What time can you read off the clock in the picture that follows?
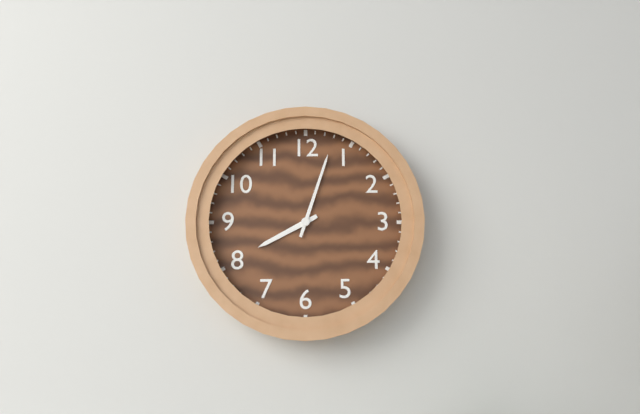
8:03
